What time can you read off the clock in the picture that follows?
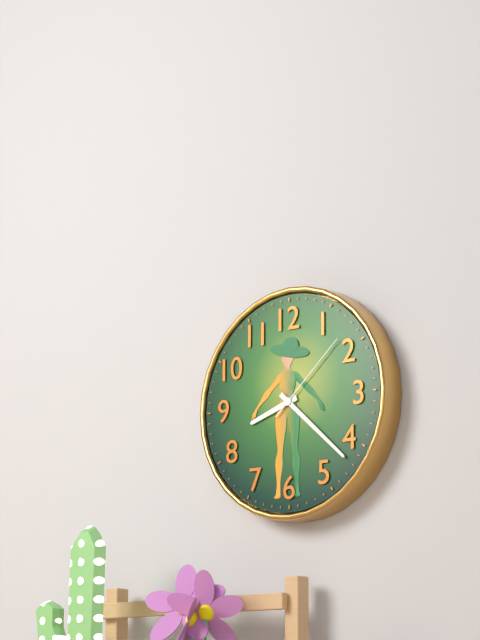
8:22:08
